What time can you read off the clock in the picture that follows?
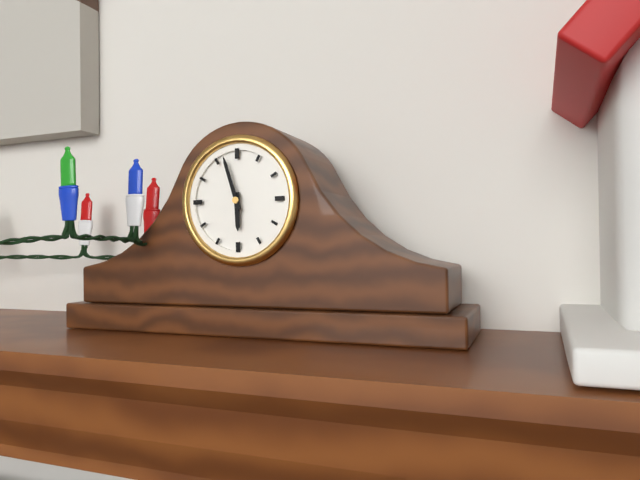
5:57
